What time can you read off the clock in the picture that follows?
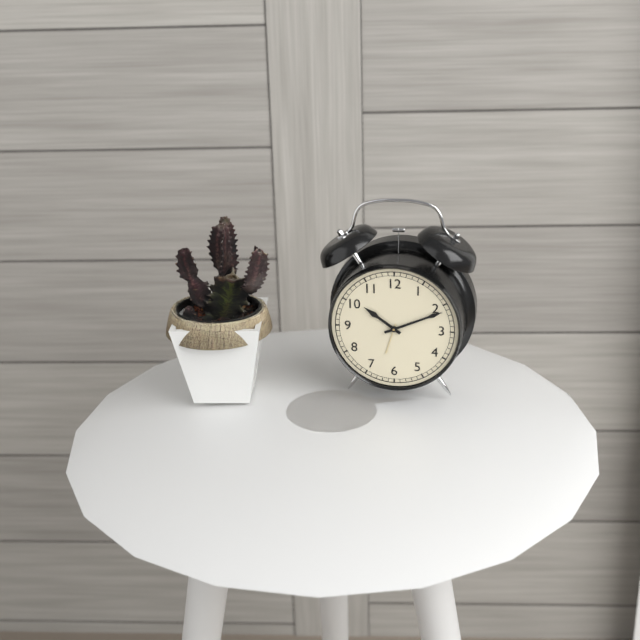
10:11
